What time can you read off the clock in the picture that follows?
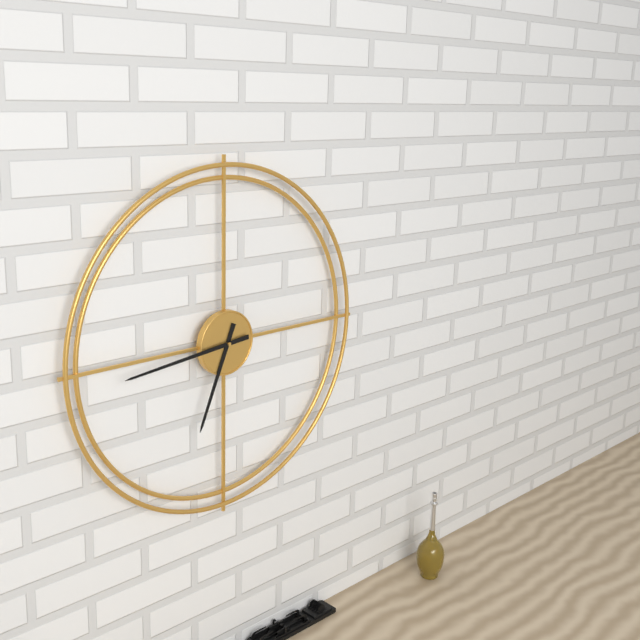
6:44
